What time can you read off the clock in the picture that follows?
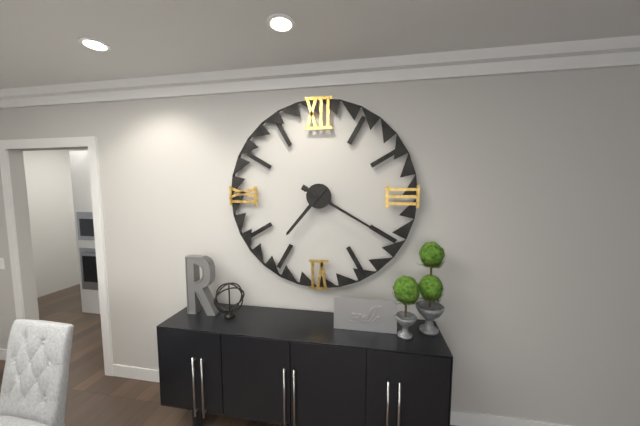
7:20
